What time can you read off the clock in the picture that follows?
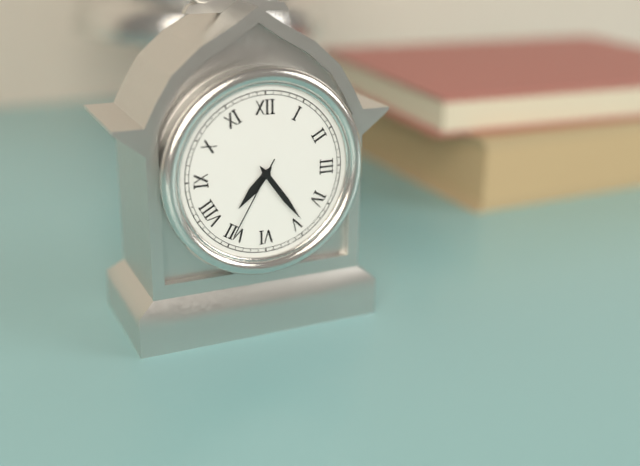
7:24:35
